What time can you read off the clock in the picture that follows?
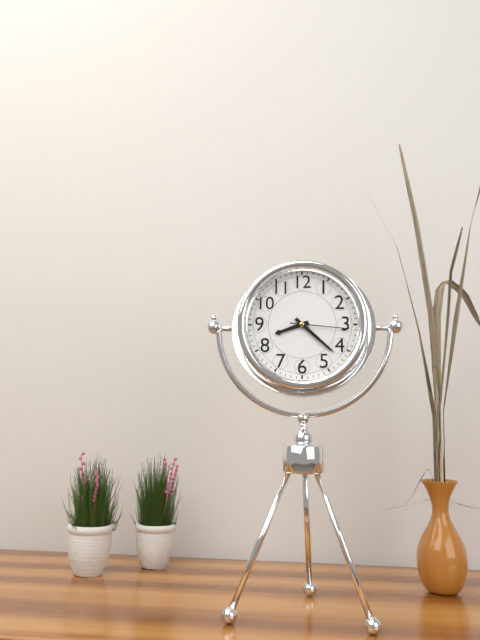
8:22:16
